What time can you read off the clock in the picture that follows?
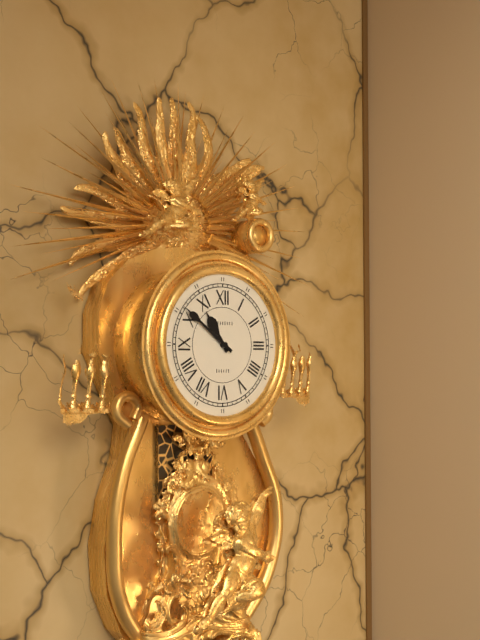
10:51
